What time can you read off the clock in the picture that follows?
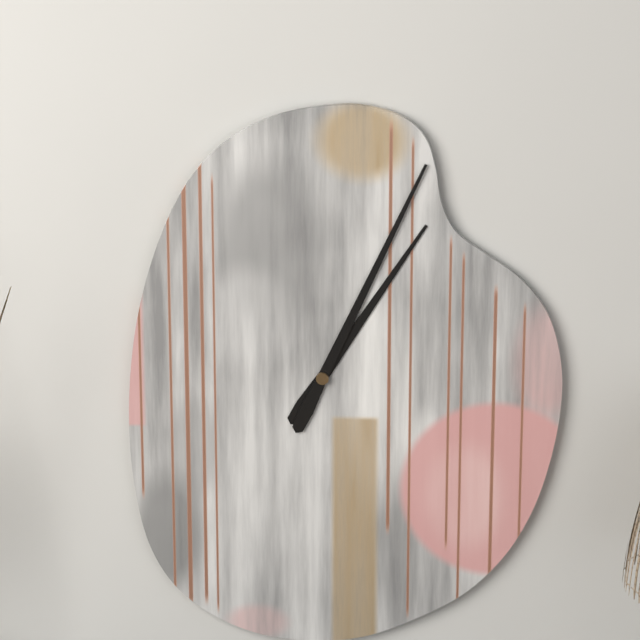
1:04
